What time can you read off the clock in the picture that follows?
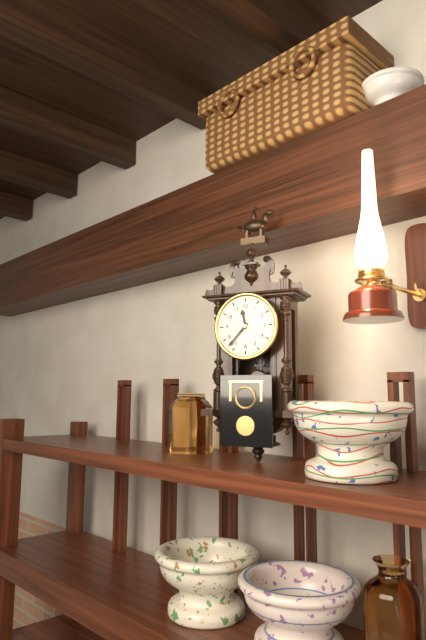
11:37
